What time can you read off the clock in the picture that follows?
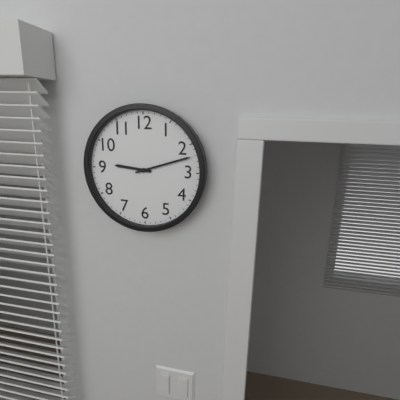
9:12
